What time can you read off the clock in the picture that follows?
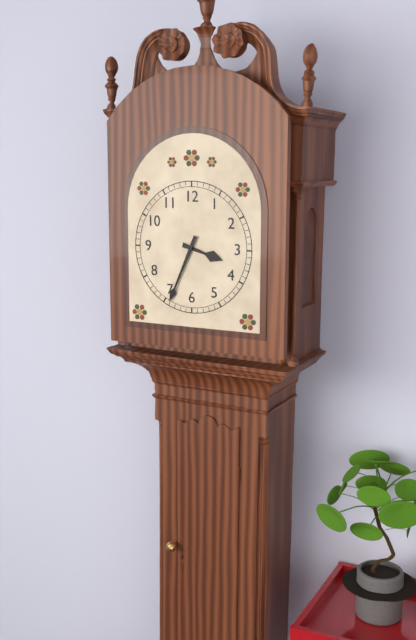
3:34
